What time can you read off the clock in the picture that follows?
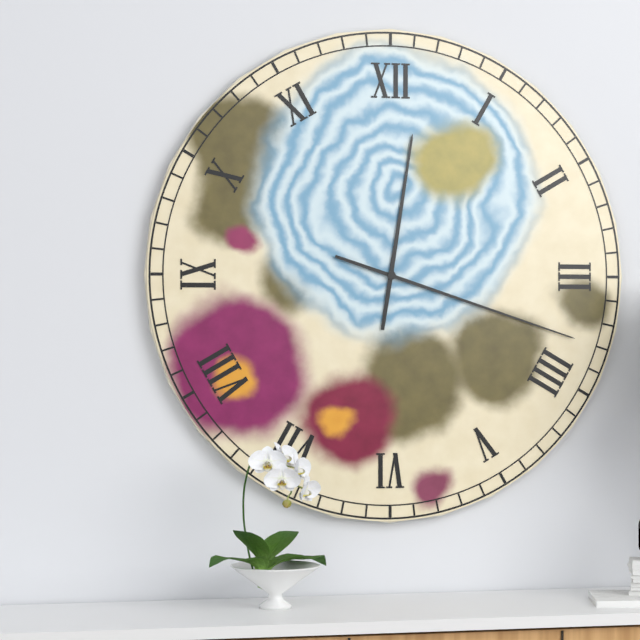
12:18
